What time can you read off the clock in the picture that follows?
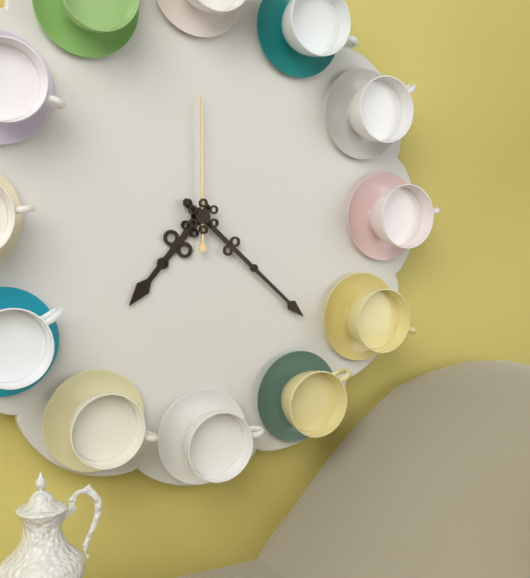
7:22:00
